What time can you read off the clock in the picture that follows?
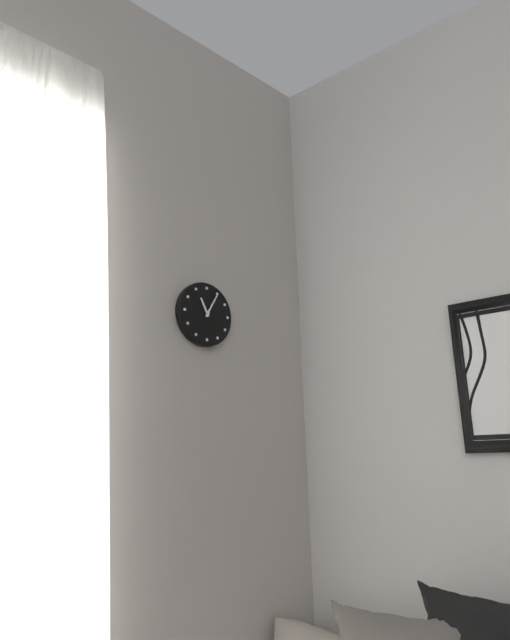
11:05
